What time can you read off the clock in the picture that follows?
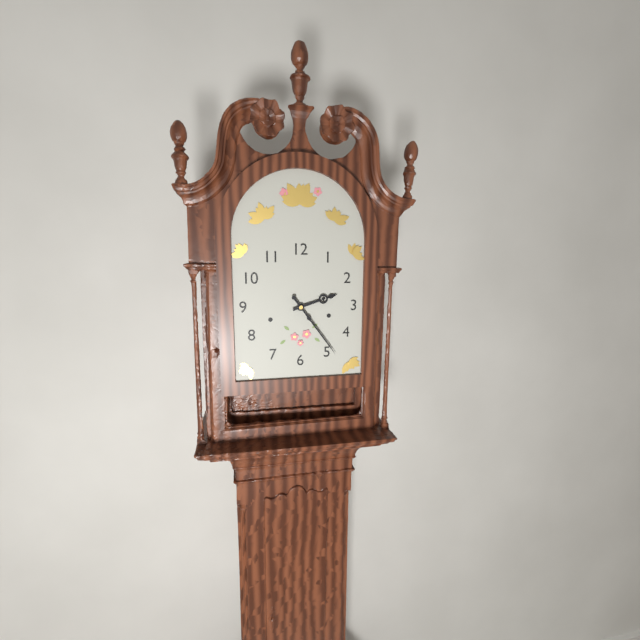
2:24
